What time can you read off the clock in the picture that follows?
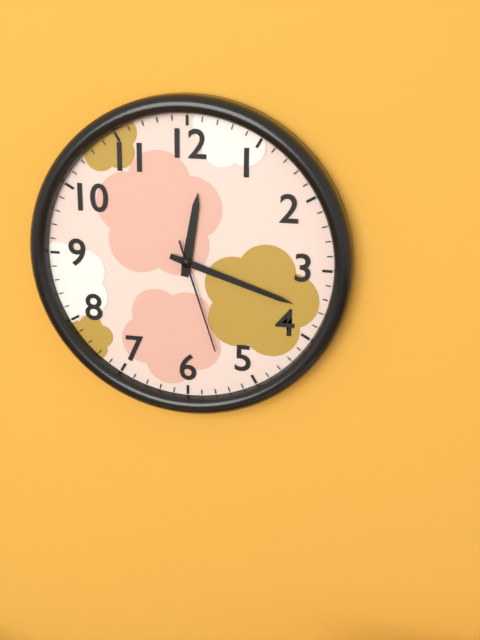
12:18:27
